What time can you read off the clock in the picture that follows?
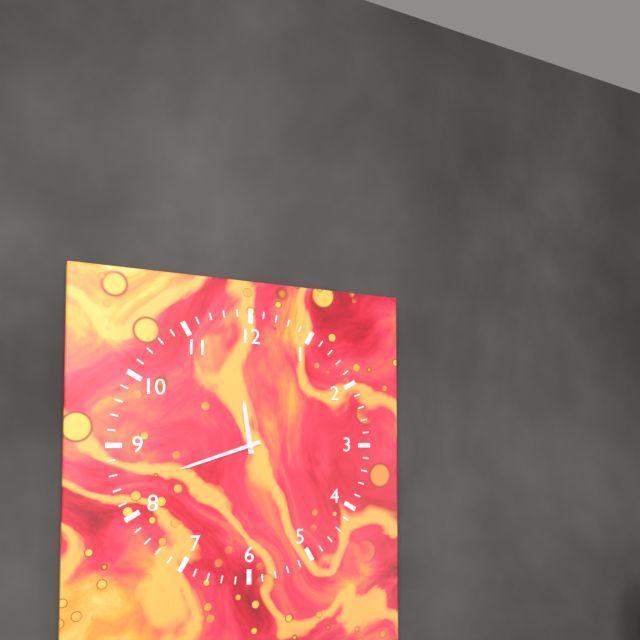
11:42
